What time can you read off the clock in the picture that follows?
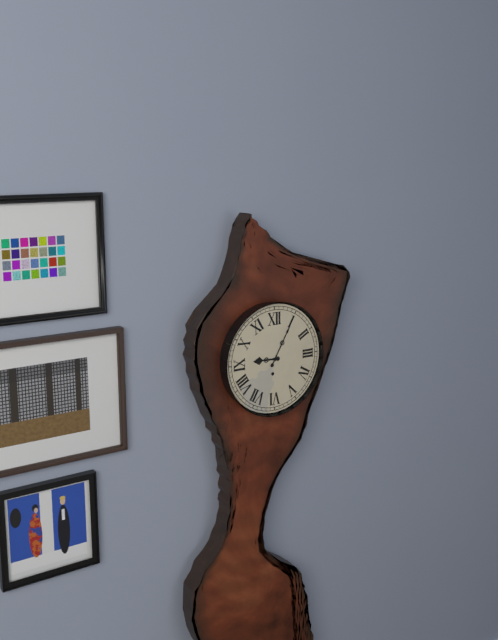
9:05
